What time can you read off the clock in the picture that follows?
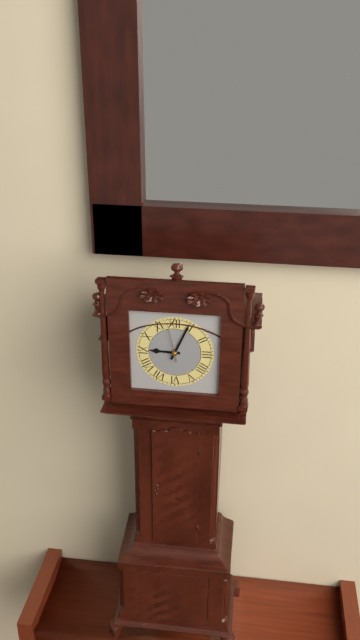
9:04
